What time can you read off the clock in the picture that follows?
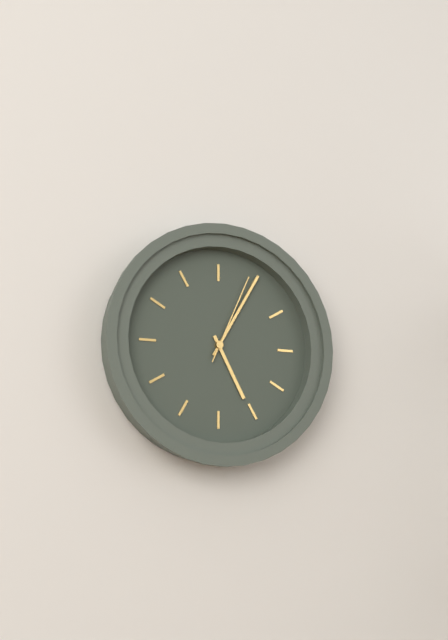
5:05:04
